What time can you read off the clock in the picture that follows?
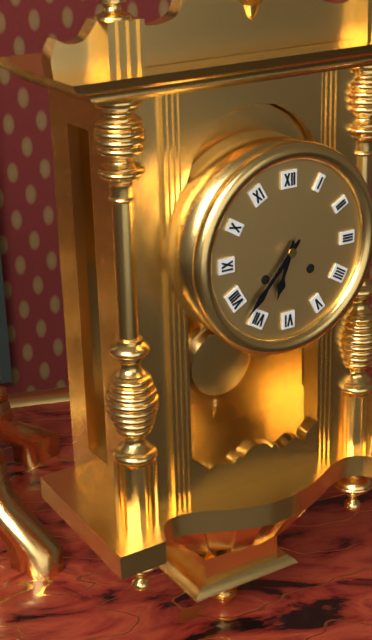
6:37
